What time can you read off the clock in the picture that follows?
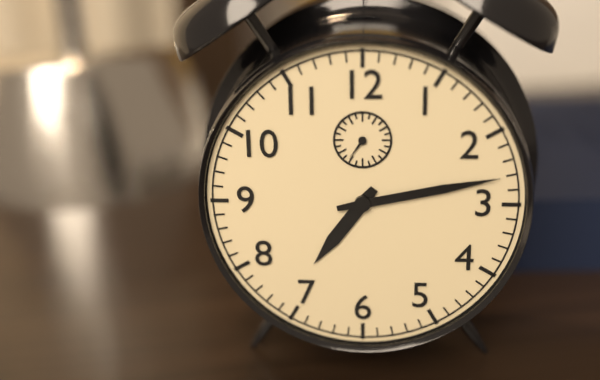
7:13
